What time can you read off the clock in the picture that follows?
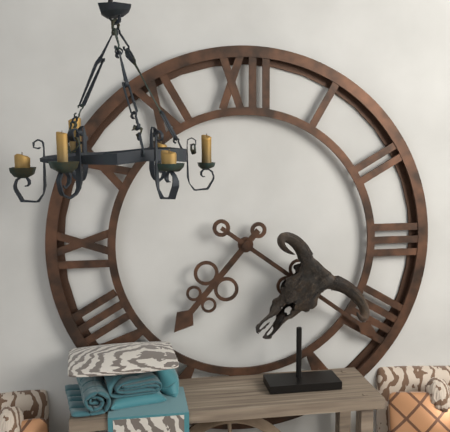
7:21
